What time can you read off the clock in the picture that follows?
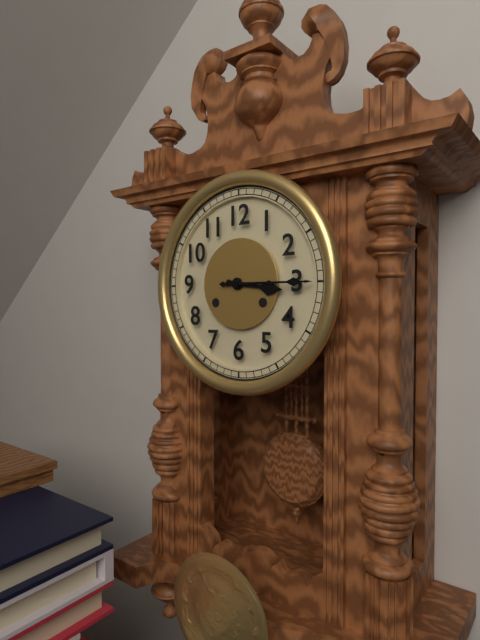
3:15
